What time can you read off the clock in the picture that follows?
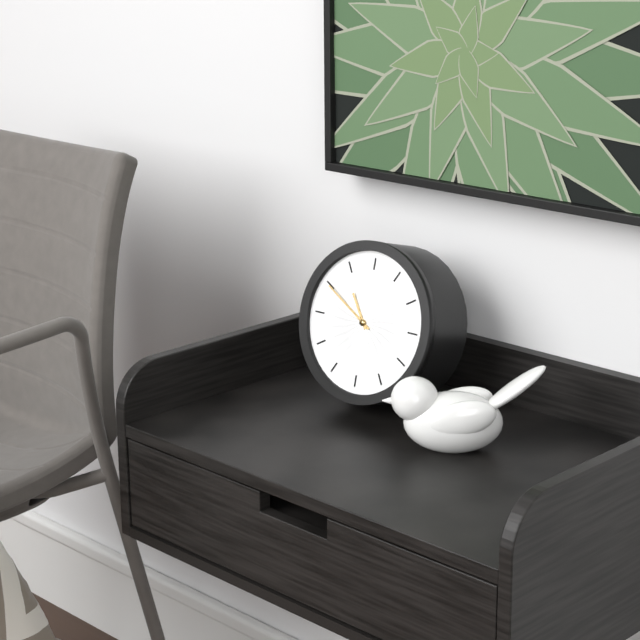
10:50
